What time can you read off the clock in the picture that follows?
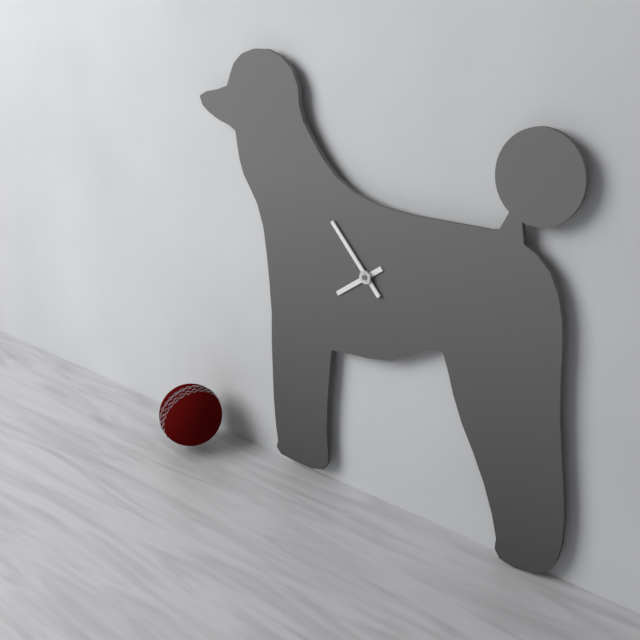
7:53
